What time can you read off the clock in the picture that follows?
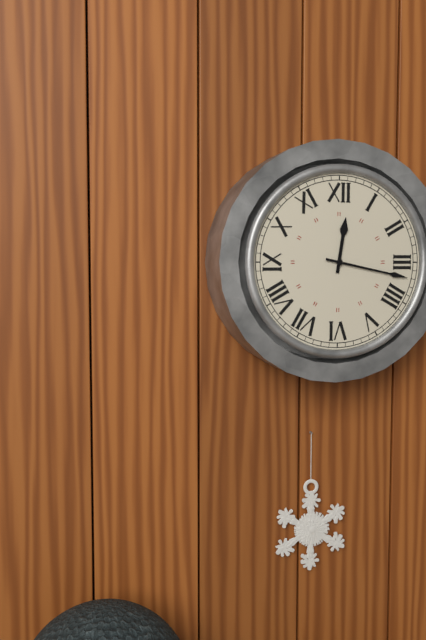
12:17
